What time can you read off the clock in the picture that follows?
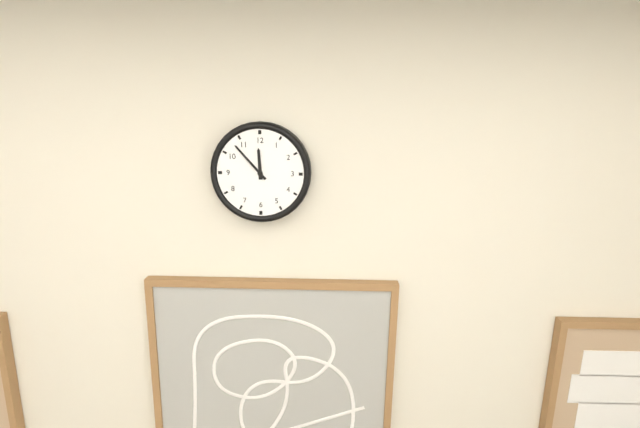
11:53
